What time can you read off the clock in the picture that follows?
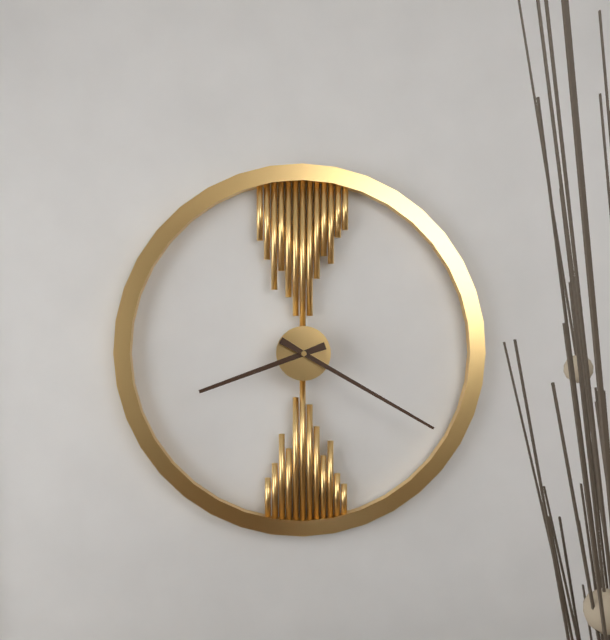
8:20
